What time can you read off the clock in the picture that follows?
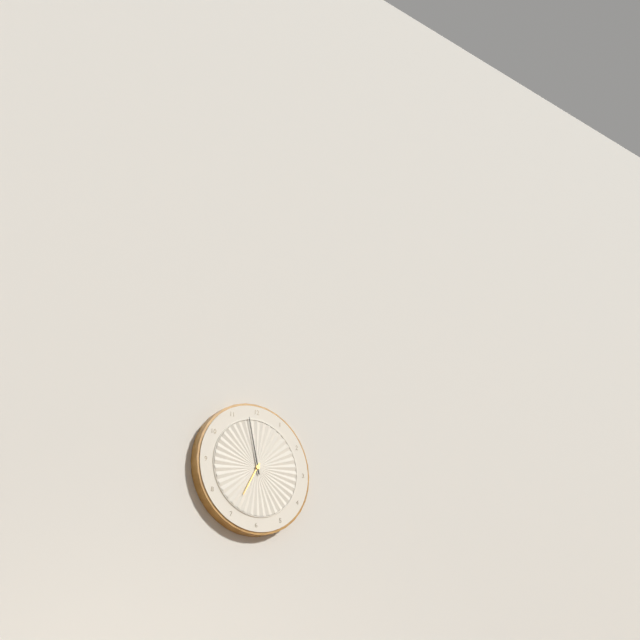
6:58
